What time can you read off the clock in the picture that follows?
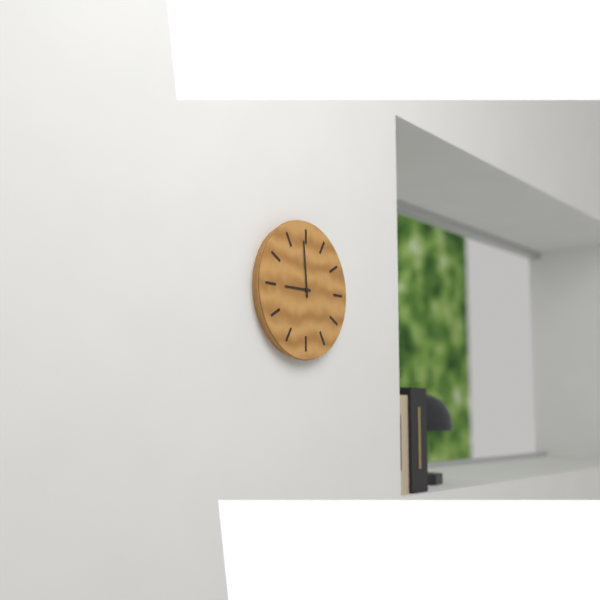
8:59
